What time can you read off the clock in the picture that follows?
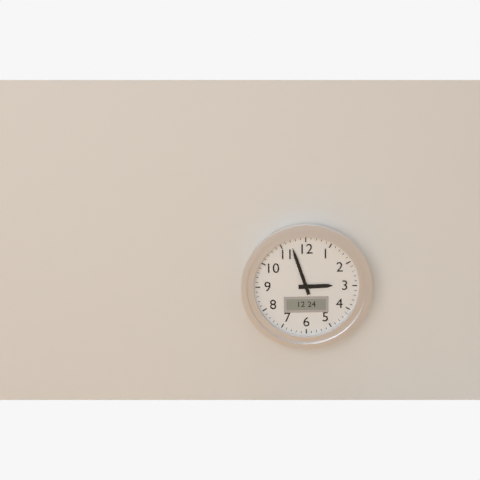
2:57
